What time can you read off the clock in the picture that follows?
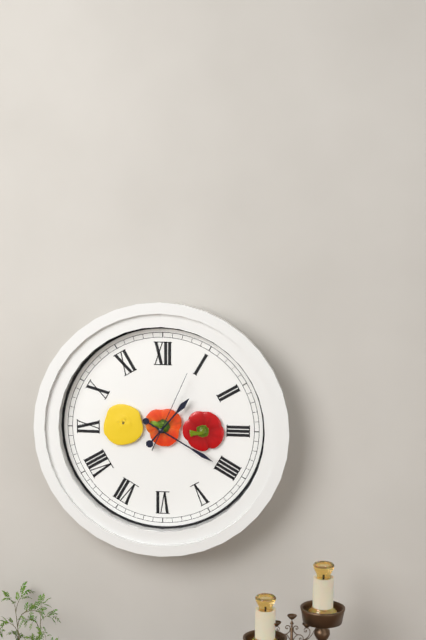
1:20:04
